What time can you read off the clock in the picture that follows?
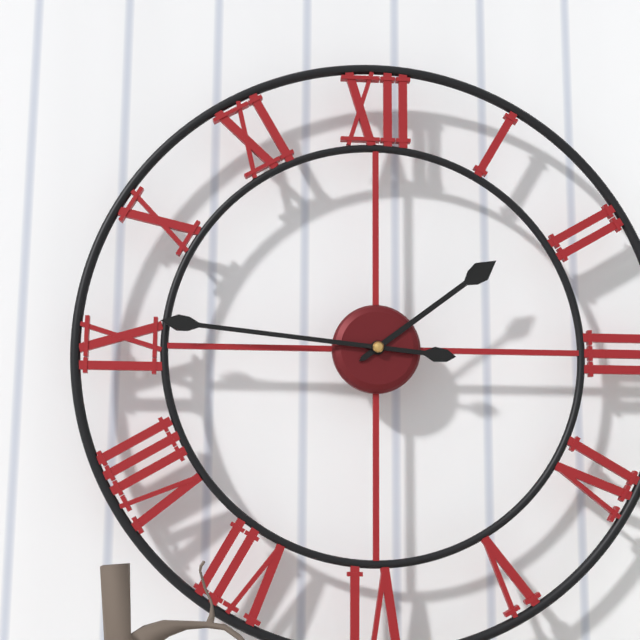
1:46
